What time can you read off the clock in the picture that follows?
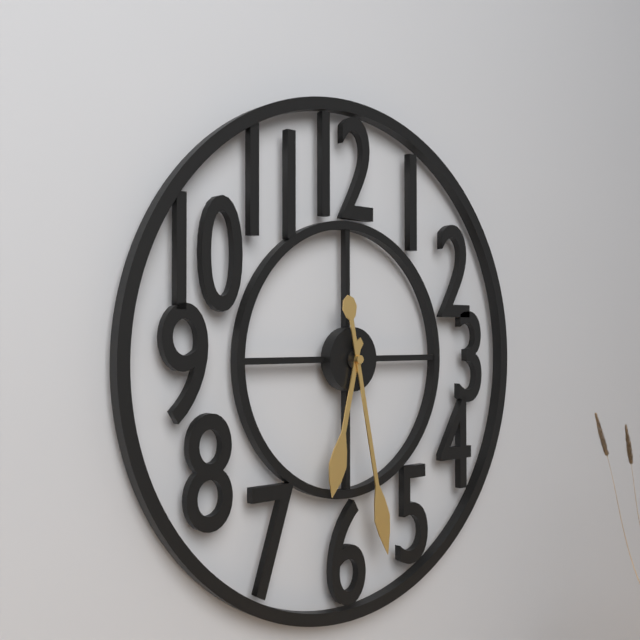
6:28
